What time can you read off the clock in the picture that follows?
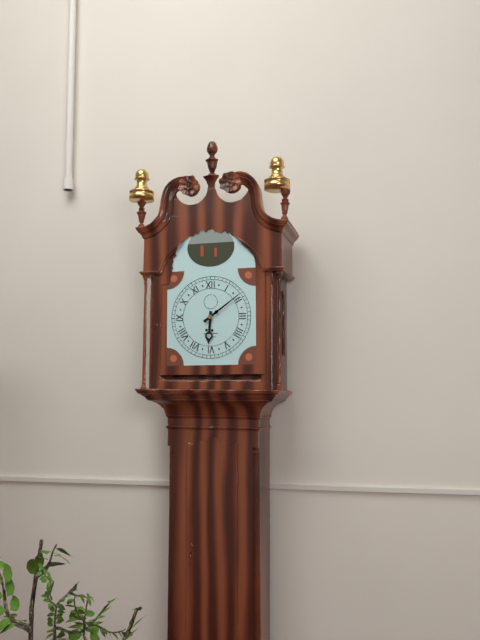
6:09
